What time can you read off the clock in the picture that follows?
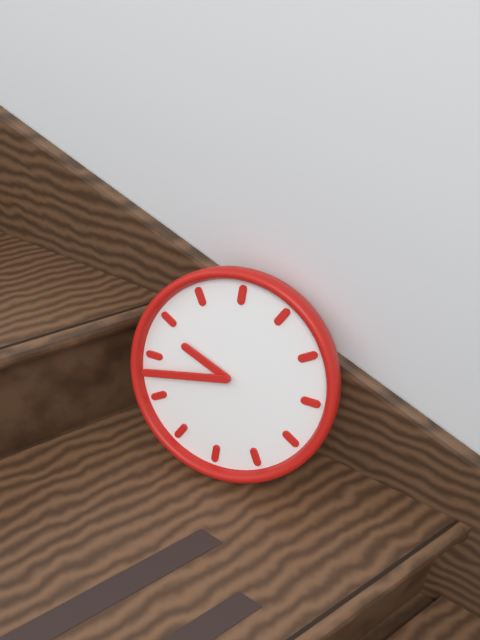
9:43
